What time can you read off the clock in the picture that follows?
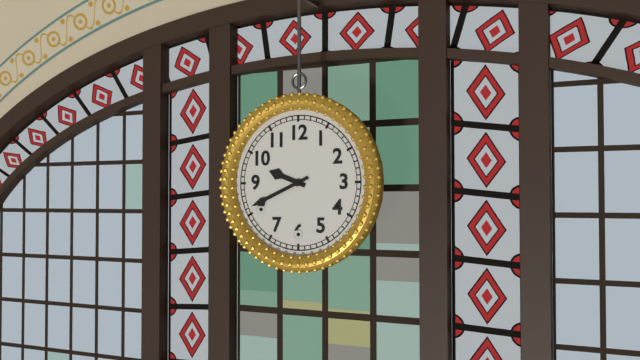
9:41
